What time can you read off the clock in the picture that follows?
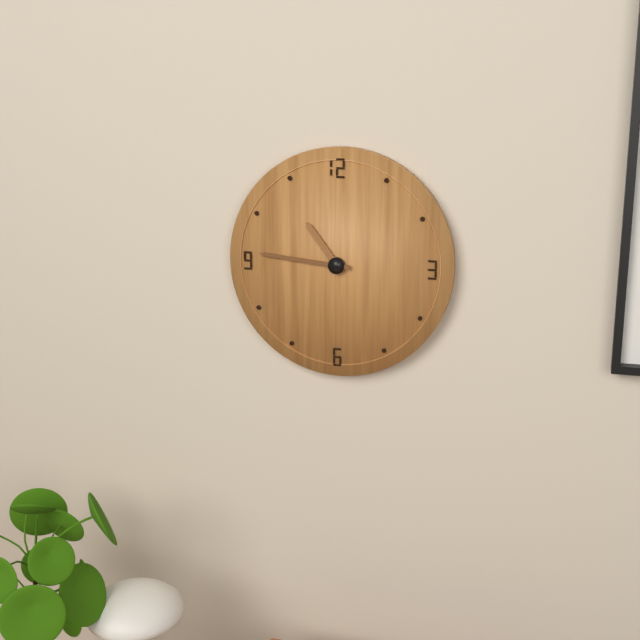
10:46
